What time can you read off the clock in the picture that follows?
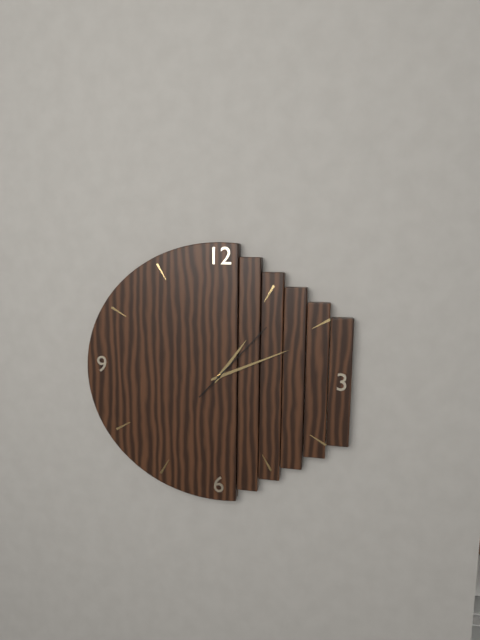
1:11:07
